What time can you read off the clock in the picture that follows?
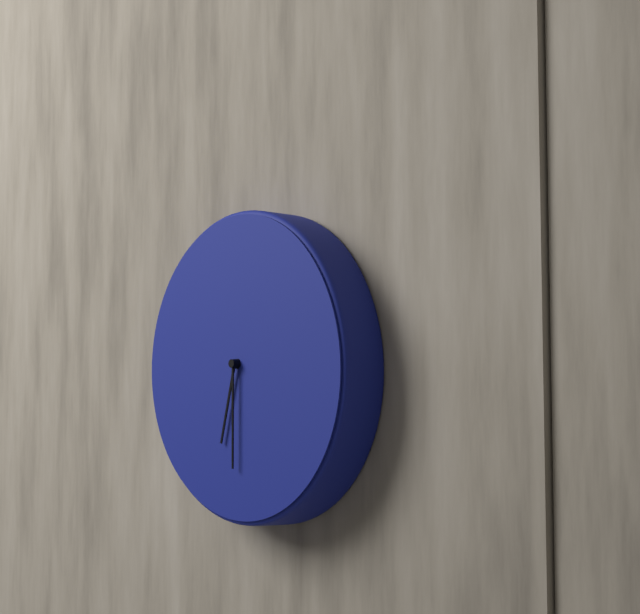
6:30
